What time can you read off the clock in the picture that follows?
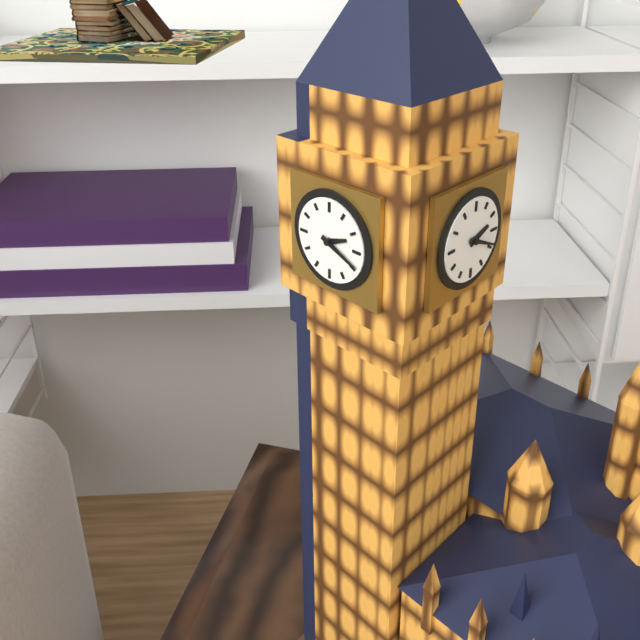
2:19
